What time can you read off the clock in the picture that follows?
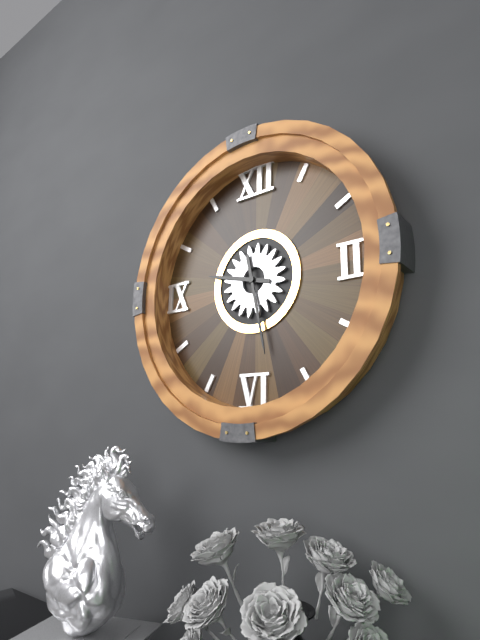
9:28
